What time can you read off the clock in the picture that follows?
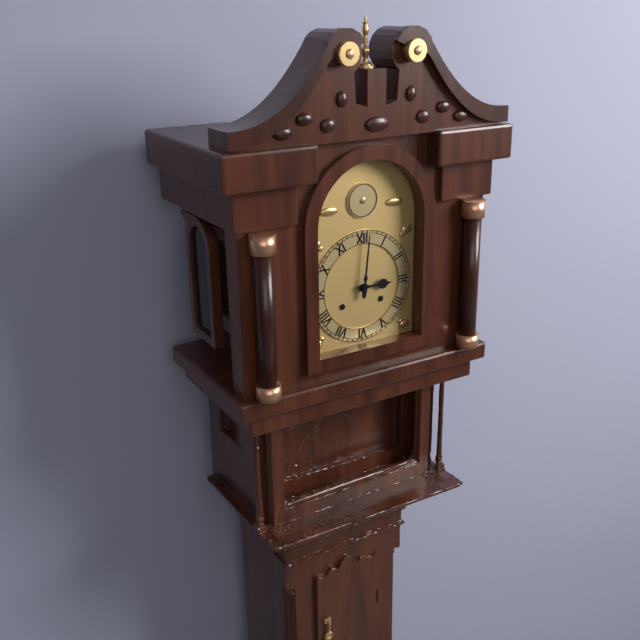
3:01
